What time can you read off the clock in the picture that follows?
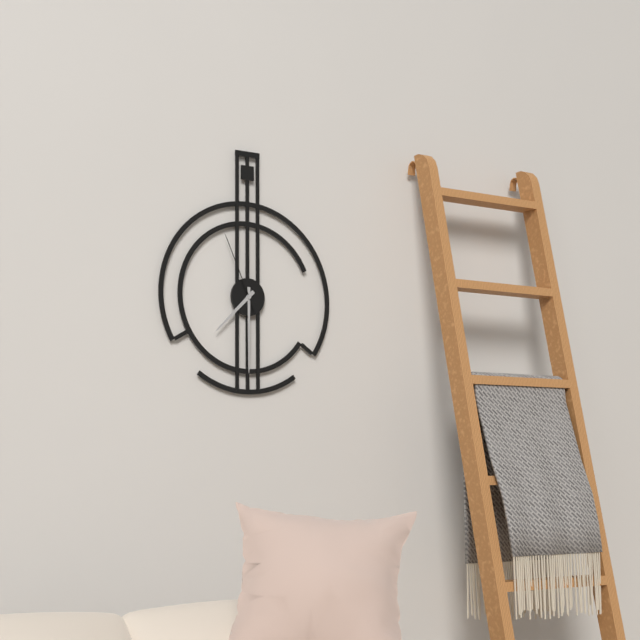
7:30:56
